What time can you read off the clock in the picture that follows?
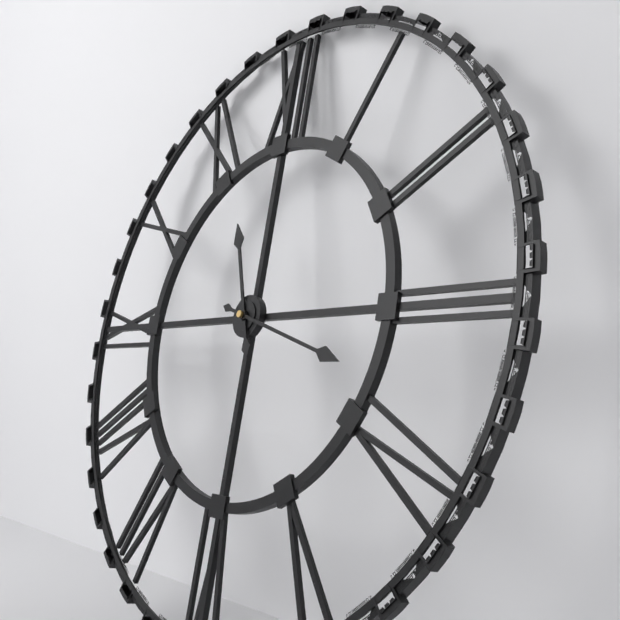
11:18
